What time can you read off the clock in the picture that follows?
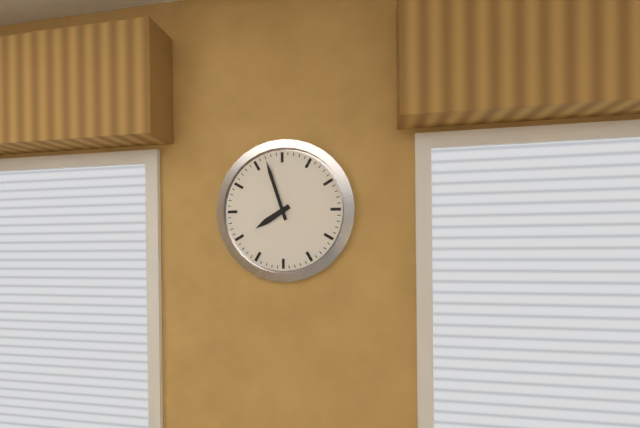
7:57
